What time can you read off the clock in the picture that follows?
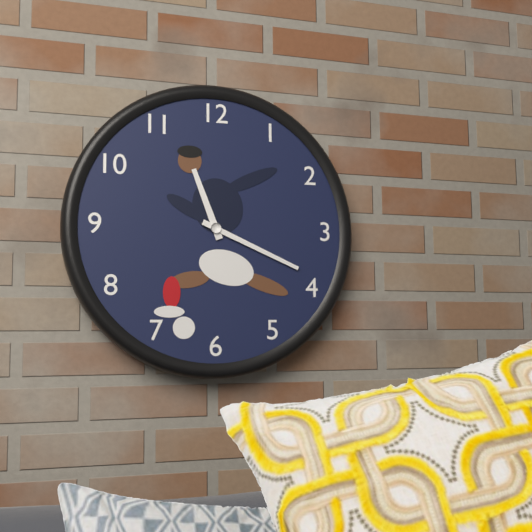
11:19
